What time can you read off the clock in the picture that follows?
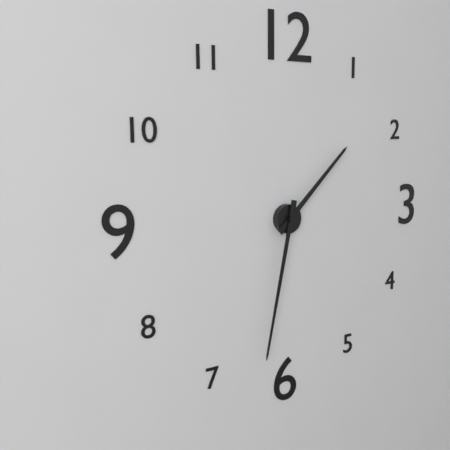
1:32
